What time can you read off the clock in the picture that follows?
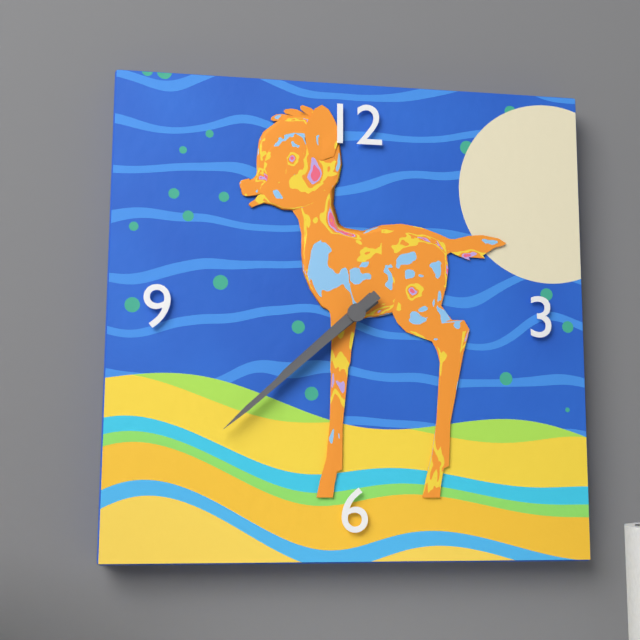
7:38
